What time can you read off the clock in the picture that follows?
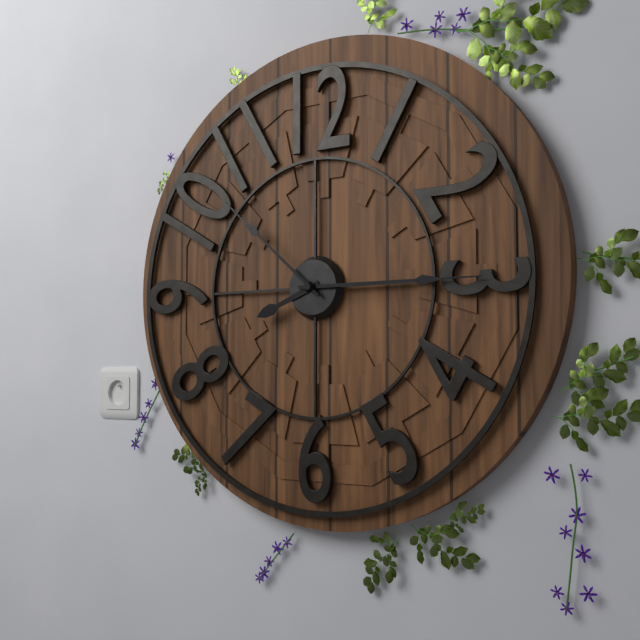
8:15:52
